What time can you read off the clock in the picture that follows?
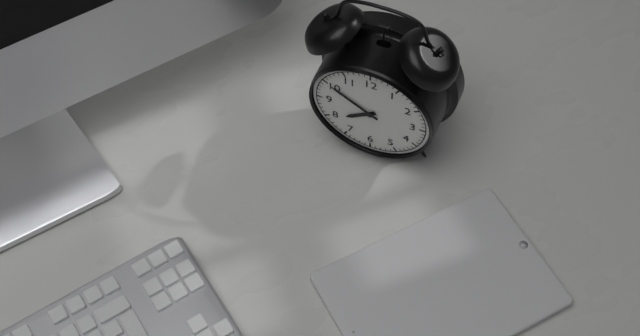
7:50
